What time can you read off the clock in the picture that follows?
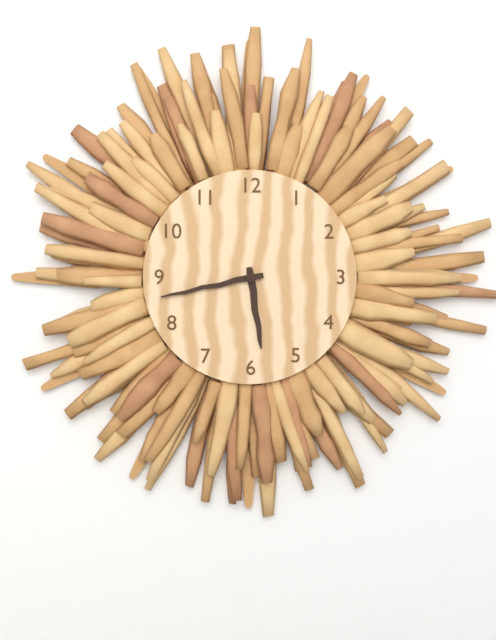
5:43
